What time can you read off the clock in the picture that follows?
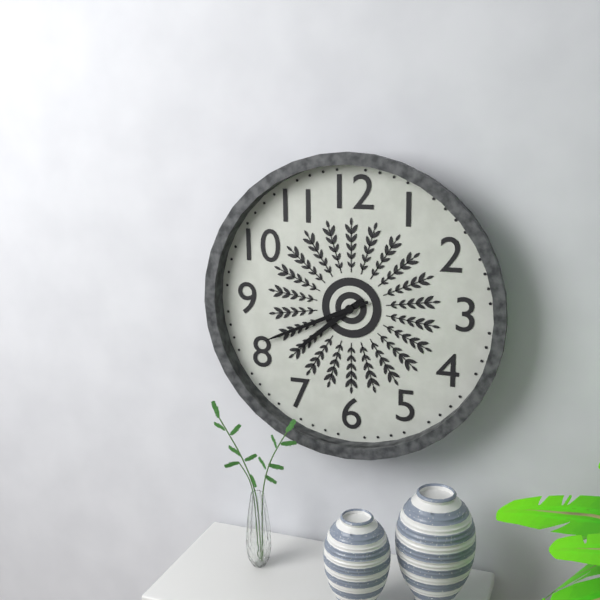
7:41
